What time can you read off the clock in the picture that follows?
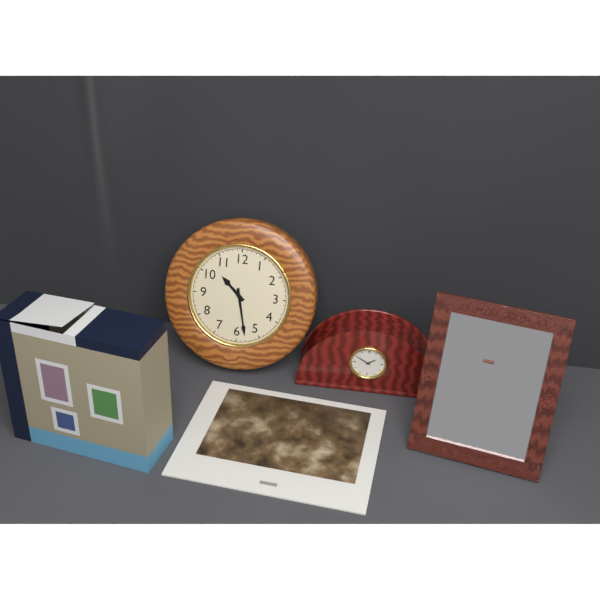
10:28
